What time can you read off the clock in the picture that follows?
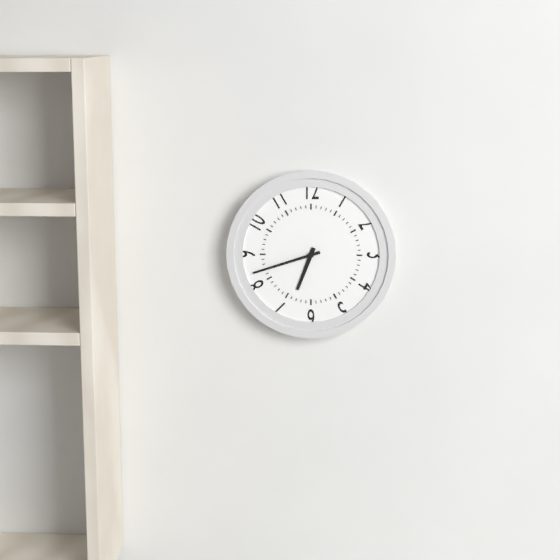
6:42
